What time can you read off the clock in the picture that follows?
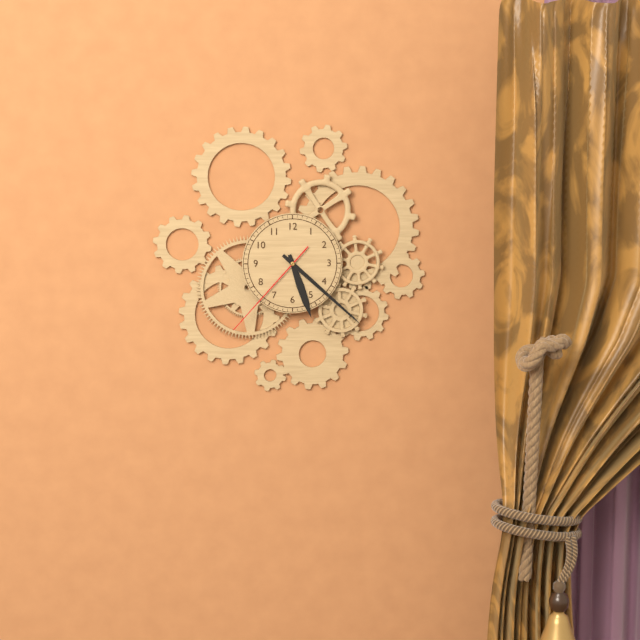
5:22:37
